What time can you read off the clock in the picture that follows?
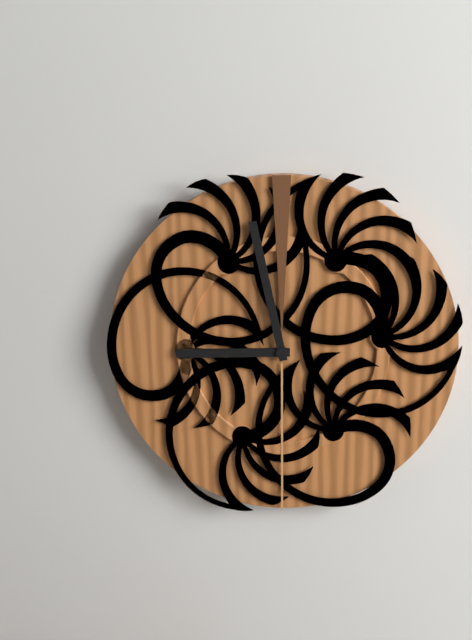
8:58
